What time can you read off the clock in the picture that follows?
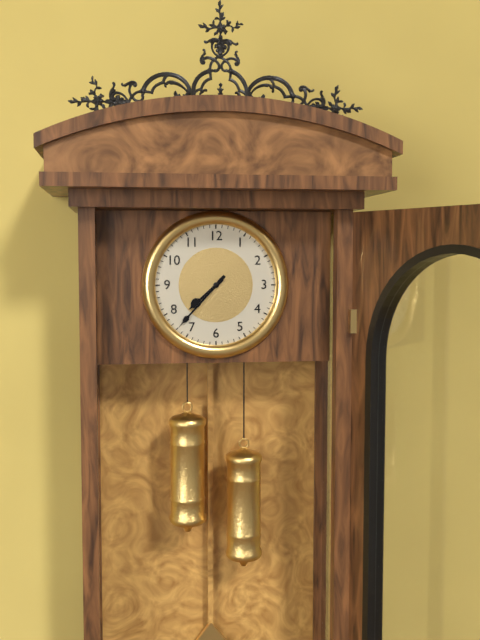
7:37
